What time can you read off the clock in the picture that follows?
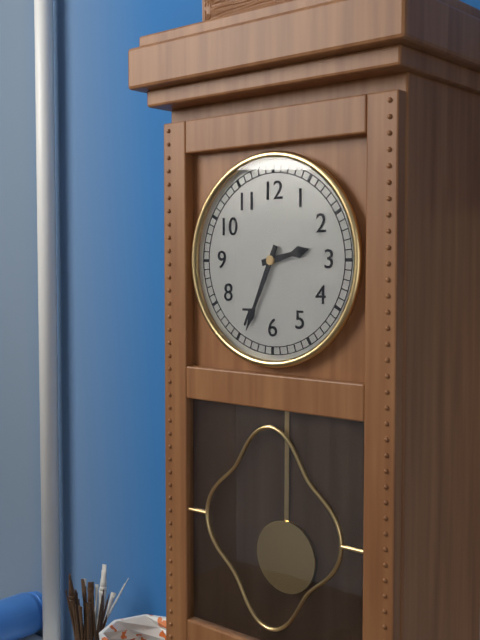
2:34
